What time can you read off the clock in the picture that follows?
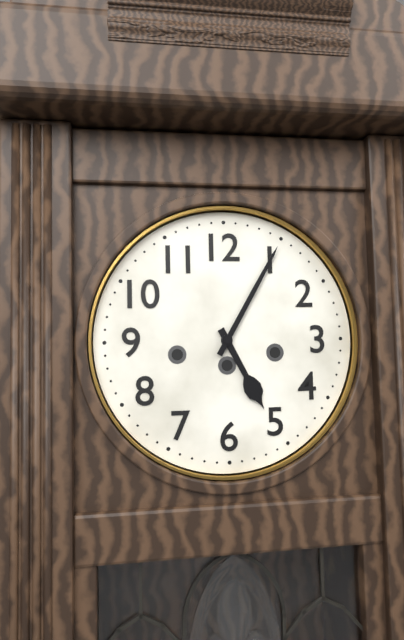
5:05
